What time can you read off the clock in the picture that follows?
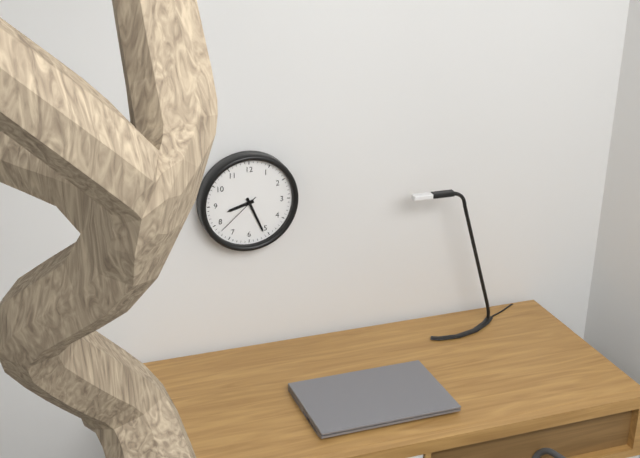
8:26
